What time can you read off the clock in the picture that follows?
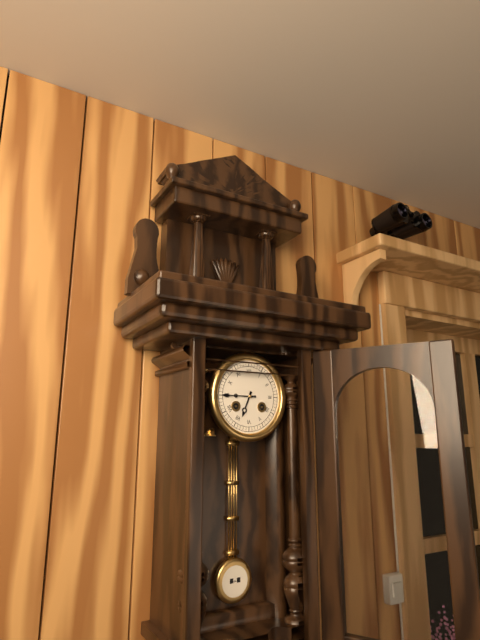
6:45
